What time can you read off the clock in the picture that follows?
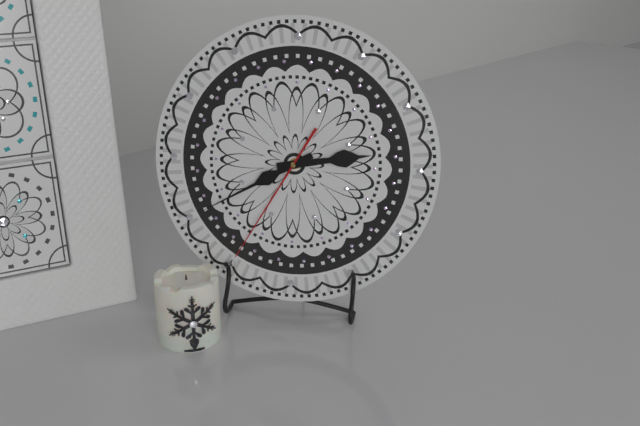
2:40:35
